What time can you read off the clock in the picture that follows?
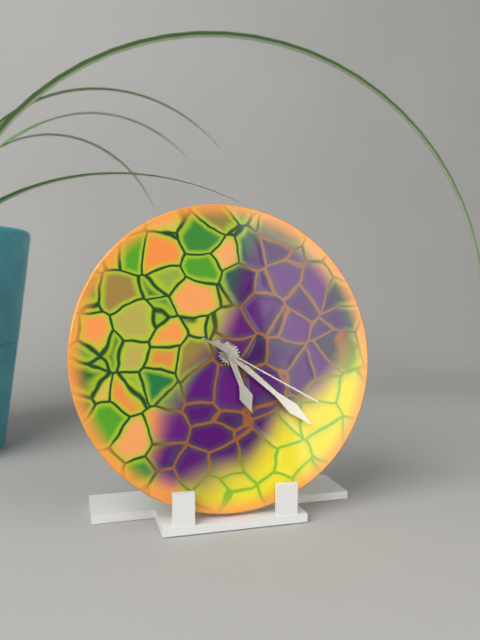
5:22:20
